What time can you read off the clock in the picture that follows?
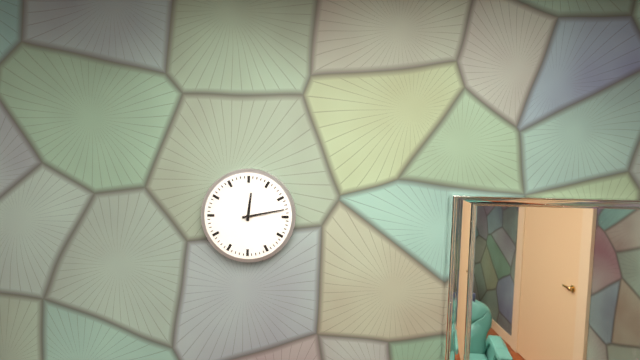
12:13
